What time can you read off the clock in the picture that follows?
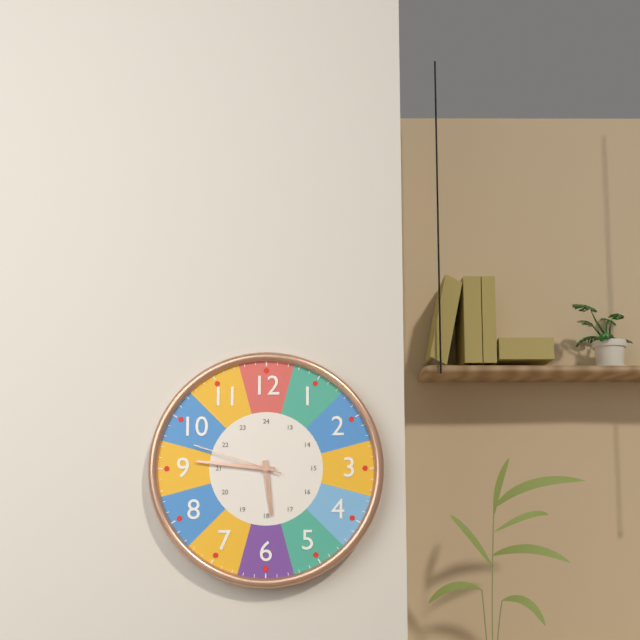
5:46:48
